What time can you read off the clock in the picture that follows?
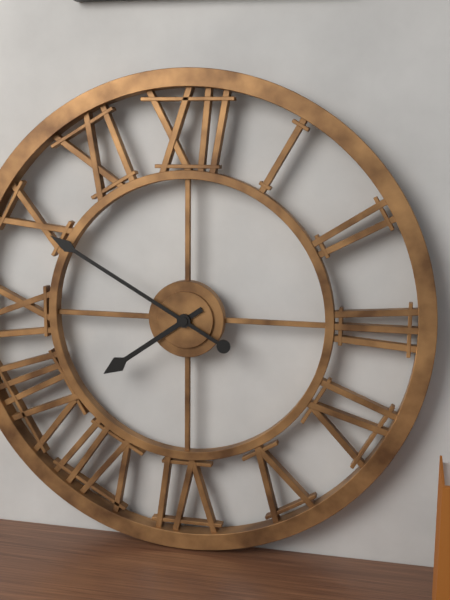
7:50
